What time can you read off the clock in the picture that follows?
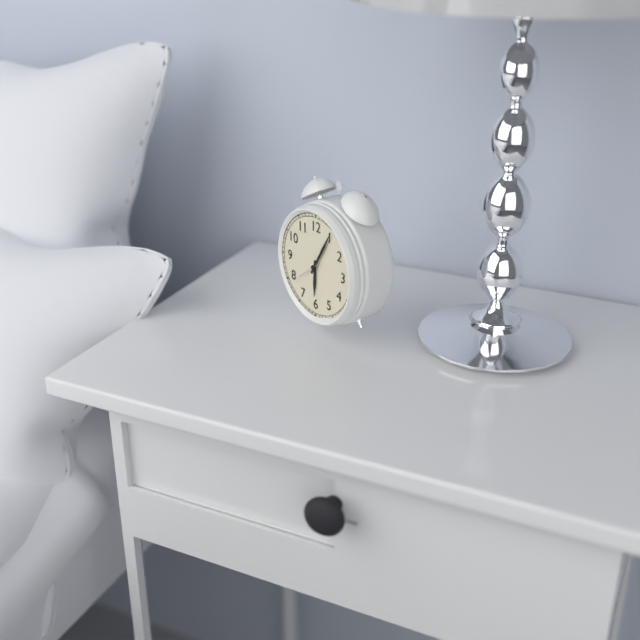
6:05
